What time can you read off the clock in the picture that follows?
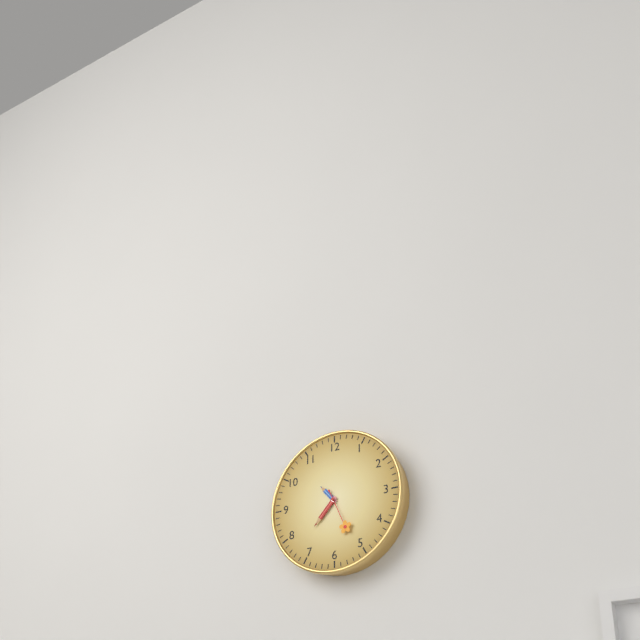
10:37
